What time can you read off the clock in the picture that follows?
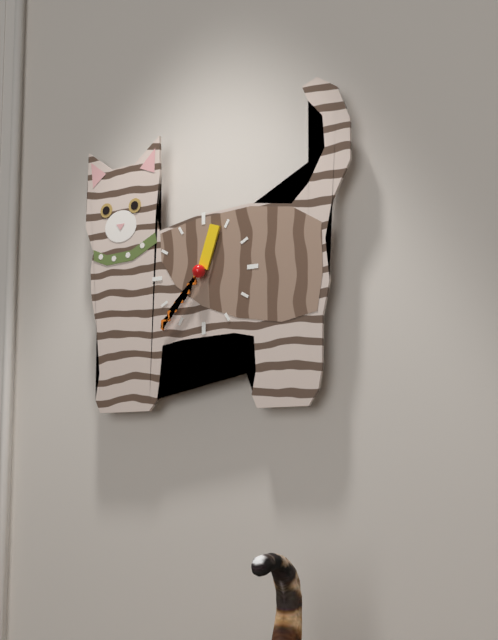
12:37
